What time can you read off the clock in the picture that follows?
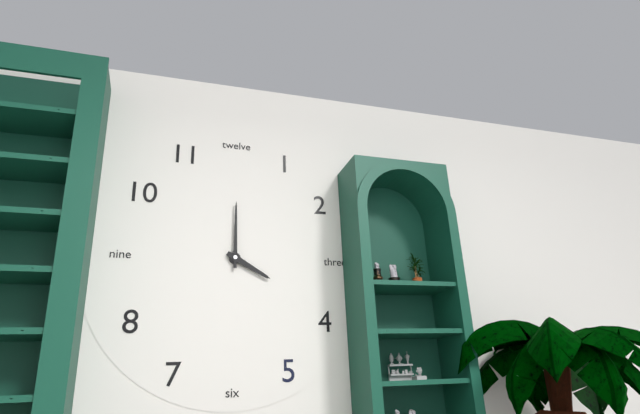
4:00
